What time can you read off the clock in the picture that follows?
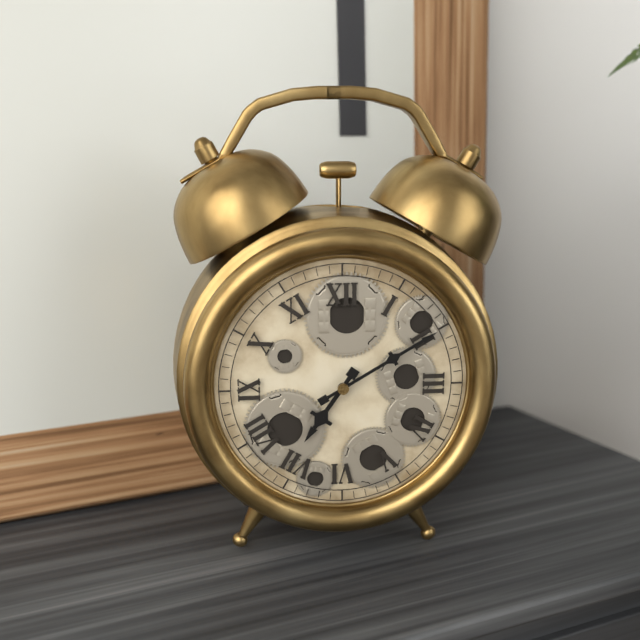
7:10
